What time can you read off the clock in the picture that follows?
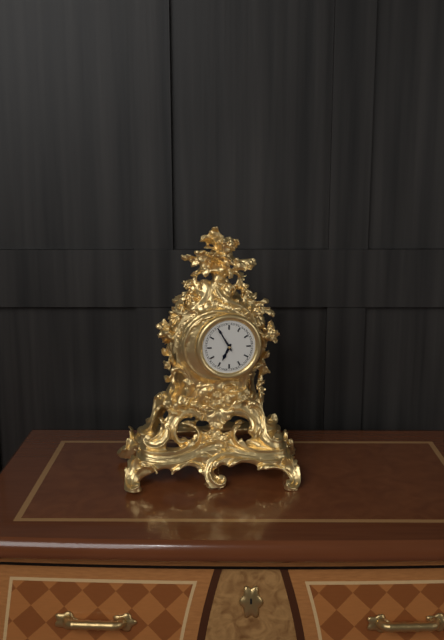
6:55
